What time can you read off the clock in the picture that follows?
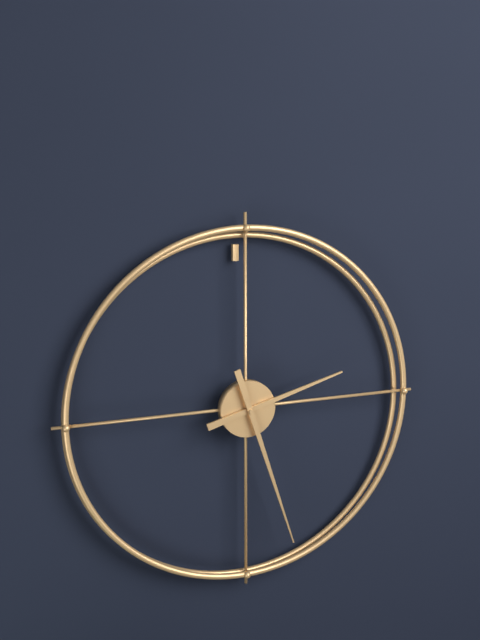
2:27
